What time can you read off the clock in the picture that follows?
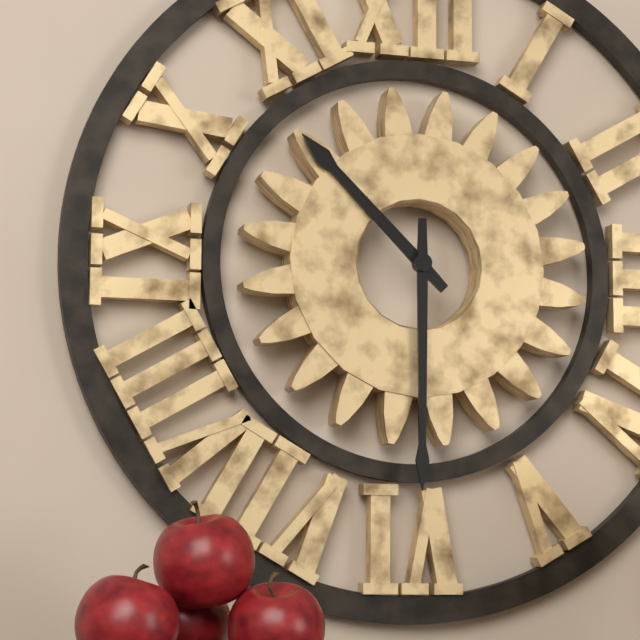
10:30
